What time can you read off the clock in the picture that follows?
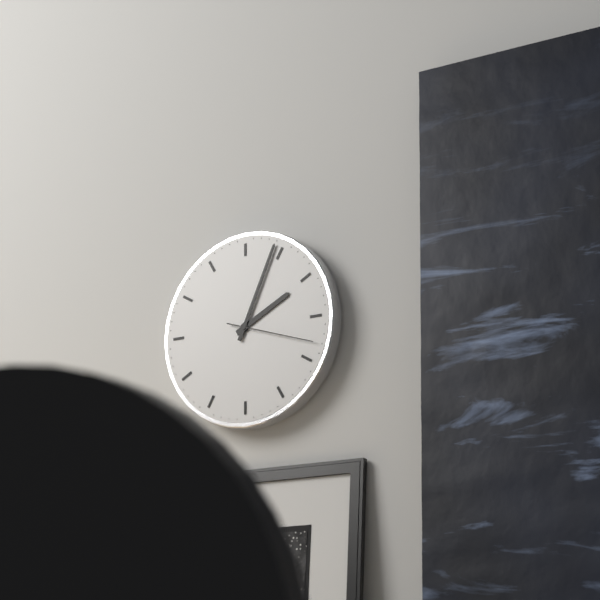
2:04:18
